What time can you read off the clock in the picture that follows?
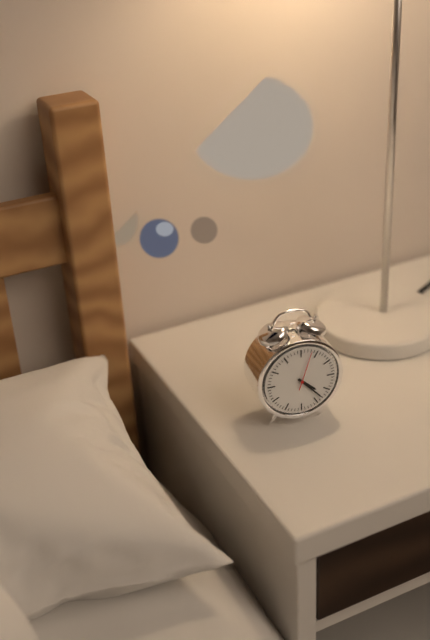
4:23
